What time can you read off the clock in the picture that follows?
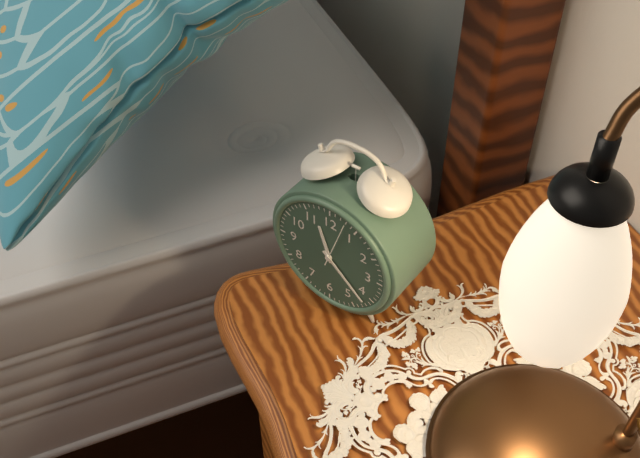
11:22
